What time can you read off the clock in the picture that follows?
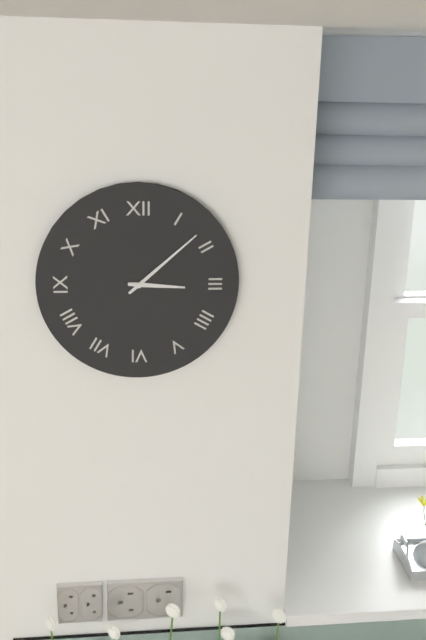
3:08
